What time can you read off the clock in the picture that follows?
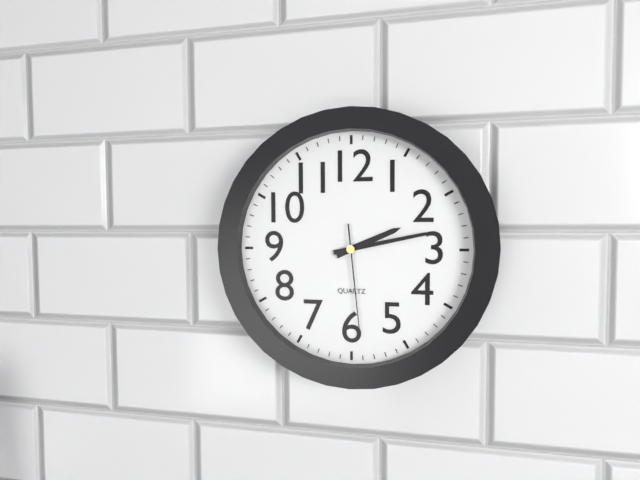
2:13:29
